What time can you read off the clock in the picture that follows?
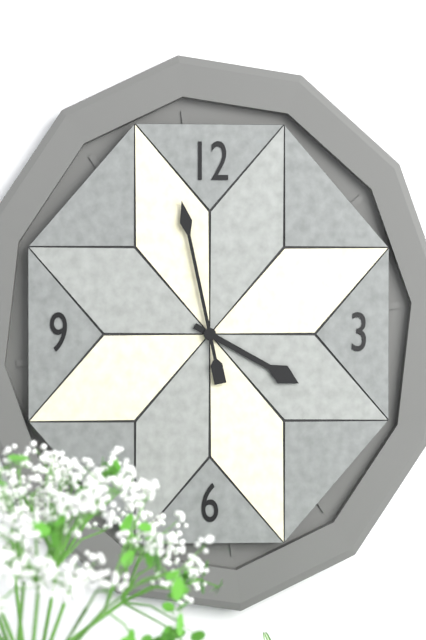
3:58
